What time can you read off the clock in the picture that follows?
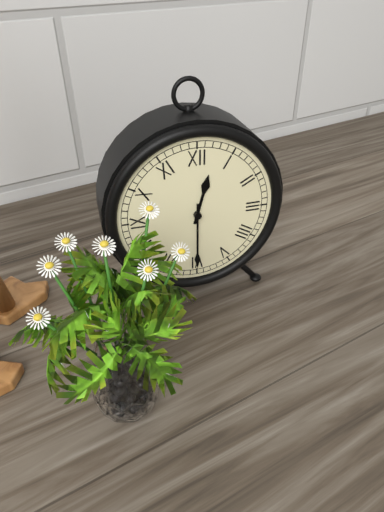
12:30
